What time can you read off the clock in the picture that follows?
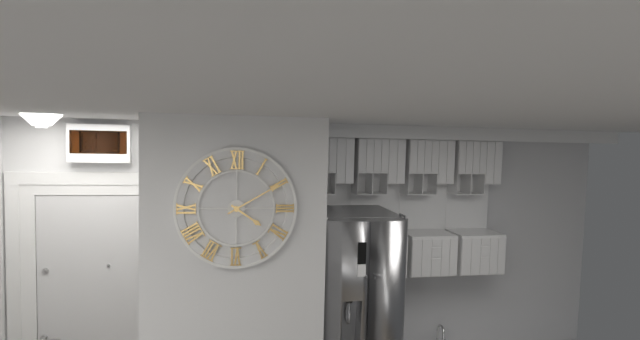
4:10
